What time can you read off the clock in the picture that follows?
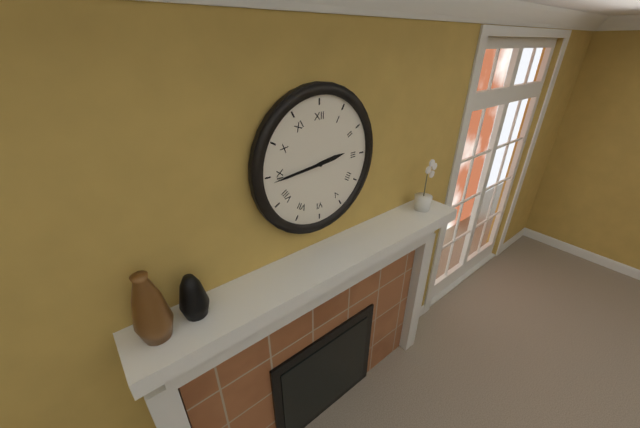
2:44
